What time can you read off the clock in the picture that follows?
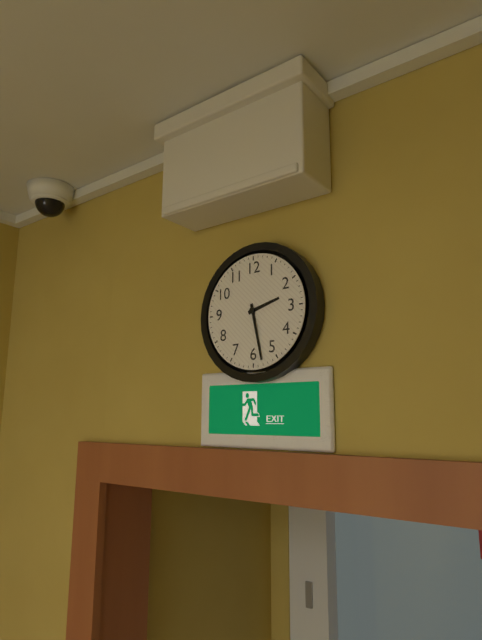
2:28
